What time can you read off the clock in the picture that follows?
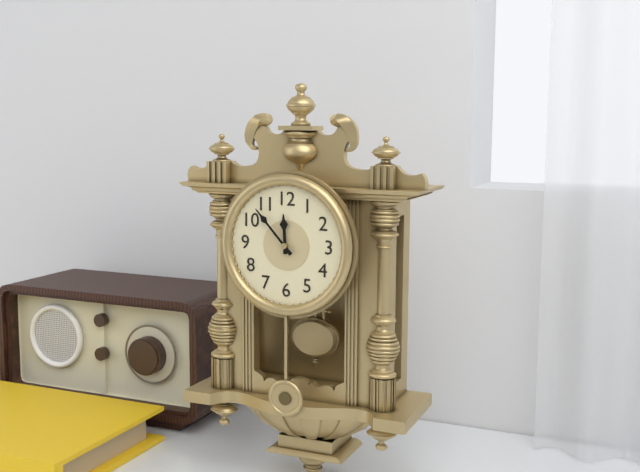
11:53
